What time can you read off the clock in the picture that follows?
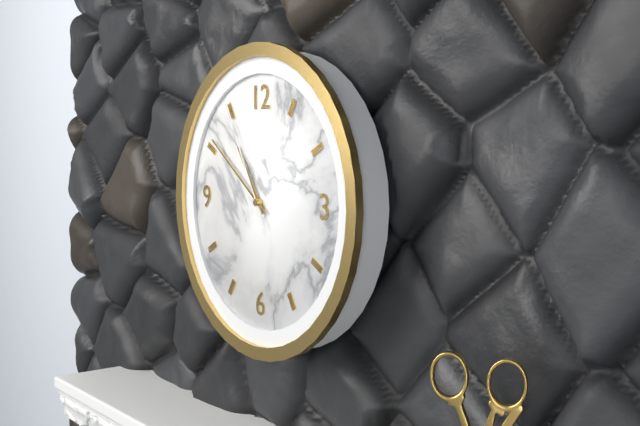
10:51:55
